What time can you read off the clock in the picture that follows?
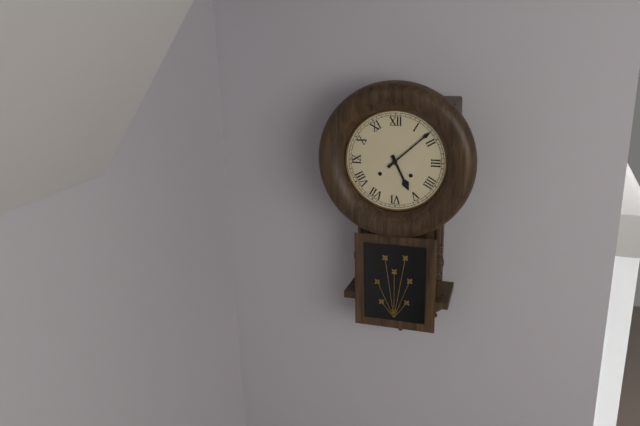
5:08
